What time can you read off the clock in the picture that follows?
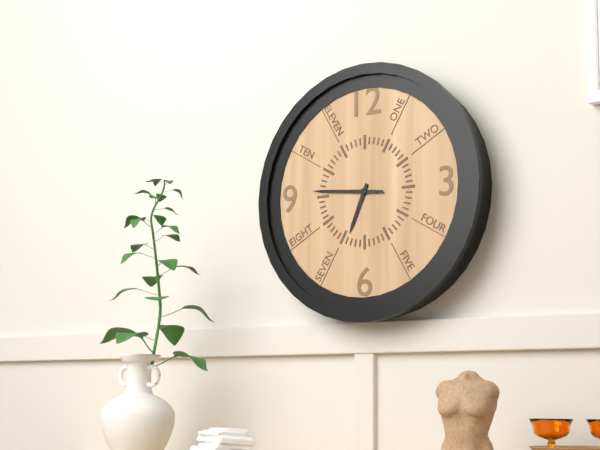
6:46
